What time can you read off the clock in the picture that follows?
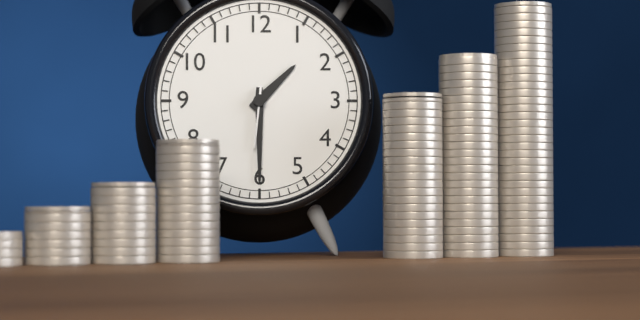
1:30:31
